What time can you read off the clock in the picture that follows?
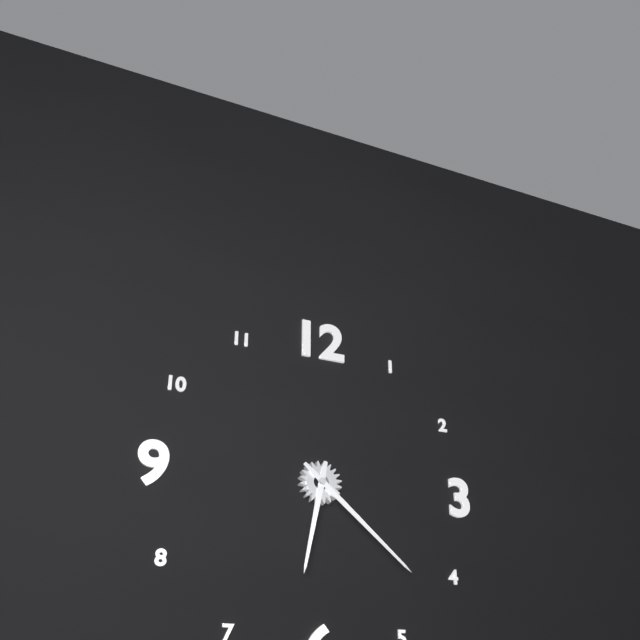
6:22
